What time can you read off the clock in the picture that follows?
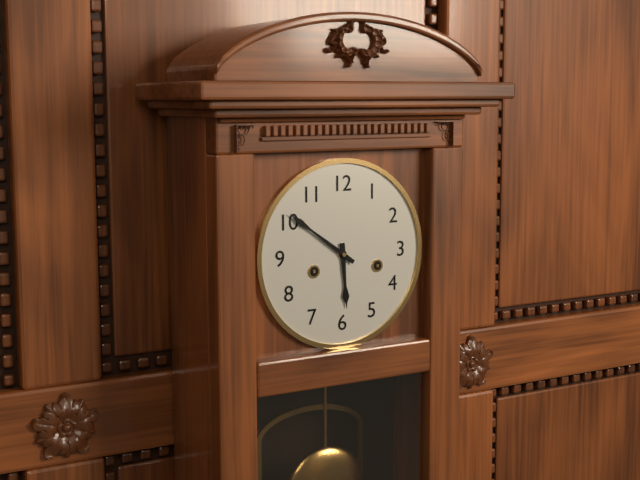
5:51
